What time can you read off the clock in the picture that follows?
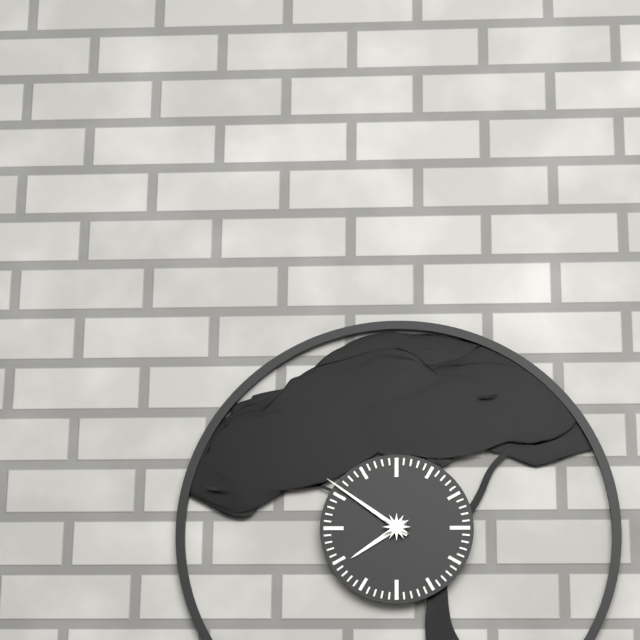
7:51
